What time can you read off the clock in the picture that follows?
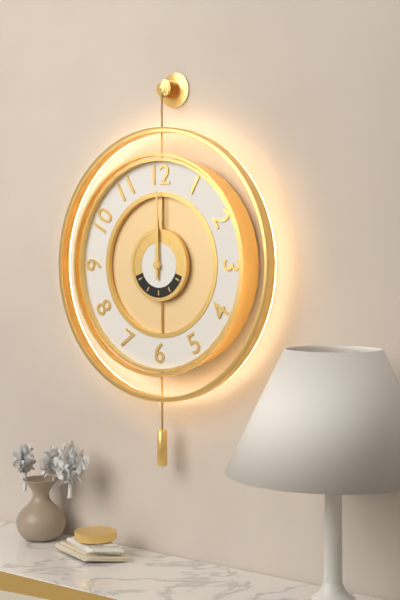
12:00
